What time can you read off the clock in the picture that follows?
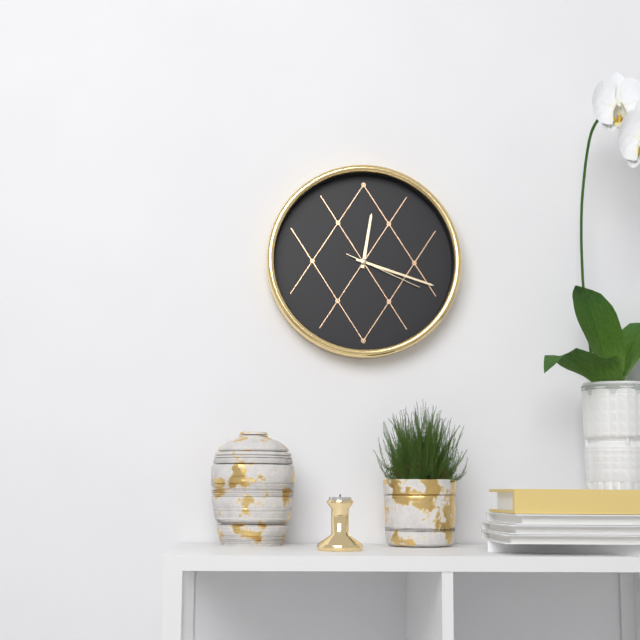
12:18:19
